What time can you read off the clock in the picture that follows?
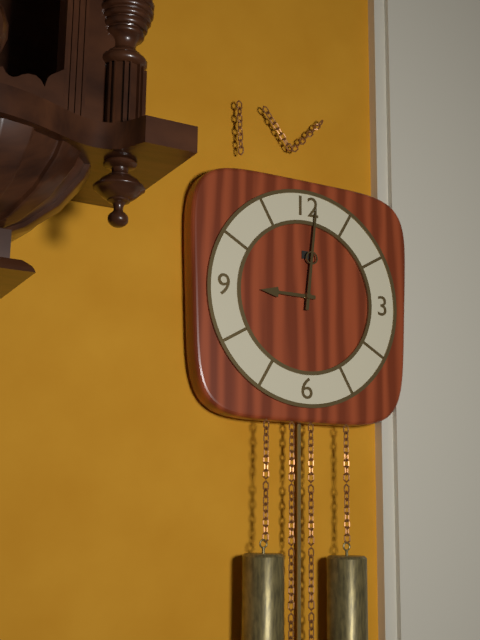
9:01
